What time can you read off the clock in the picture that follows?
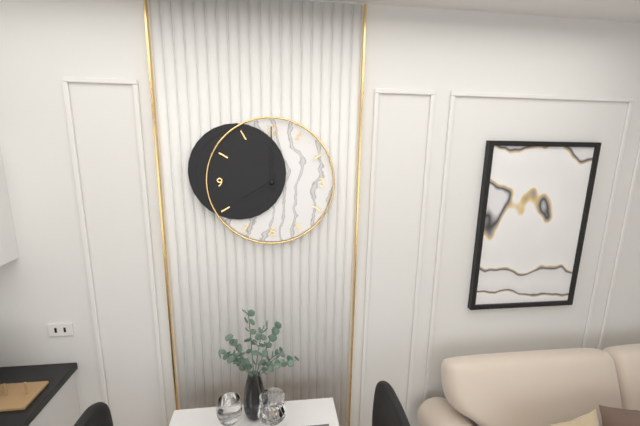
8:00
